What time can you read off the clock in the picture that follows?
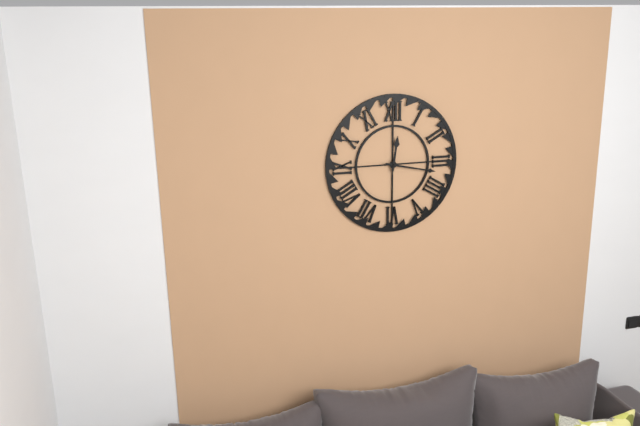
12:17
